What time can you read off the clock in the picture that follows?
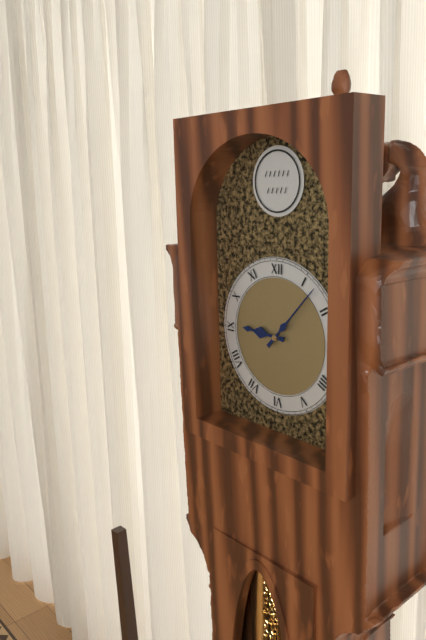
9:07
